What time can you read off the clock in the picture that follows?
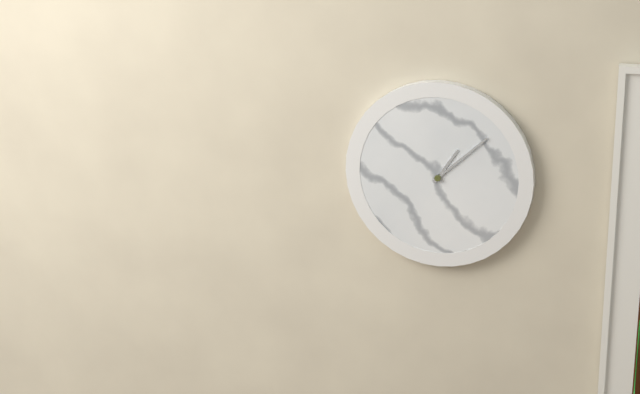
1:08
